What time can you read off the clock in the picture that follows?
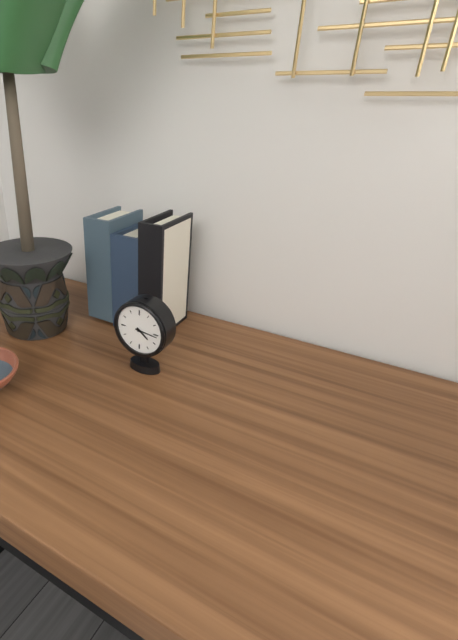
4:16
